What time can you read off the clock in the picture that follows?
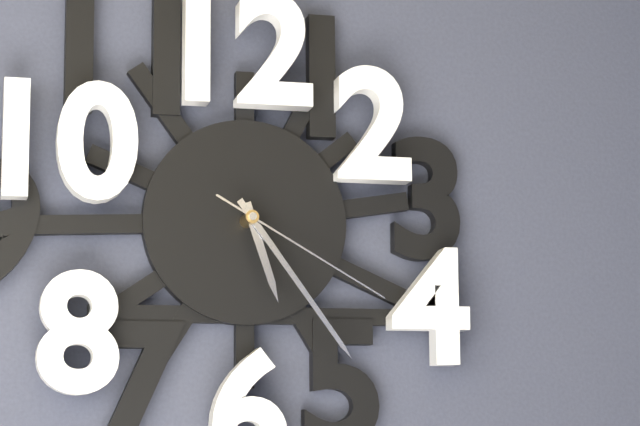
5:24:20
